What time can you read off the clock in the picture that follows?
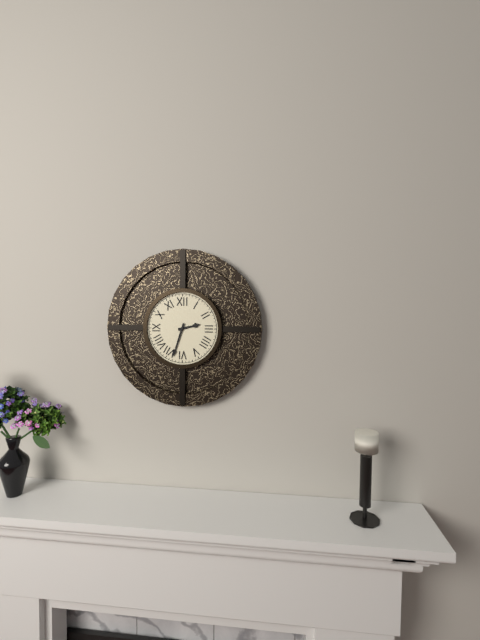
2:33
